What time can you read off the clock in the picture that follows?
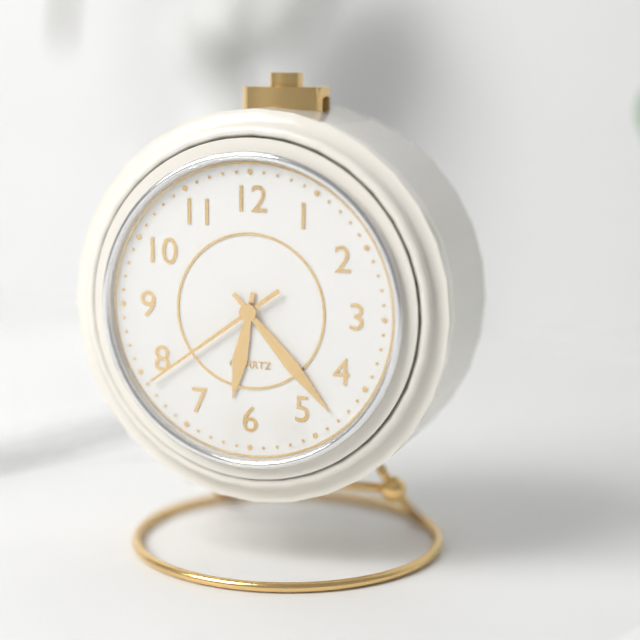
6:23:39
